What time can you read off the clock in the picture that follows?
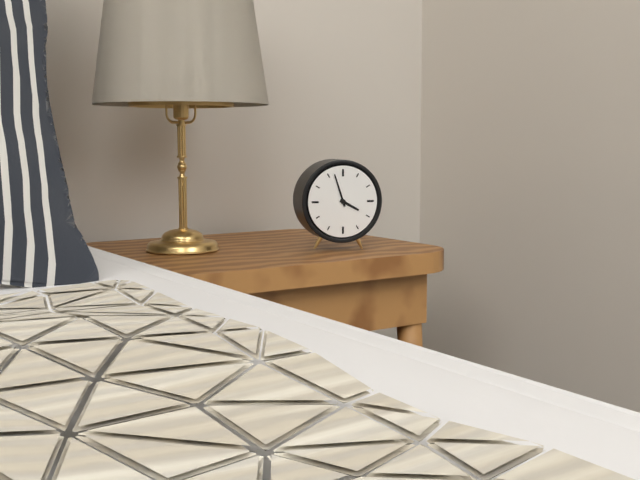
3:57
